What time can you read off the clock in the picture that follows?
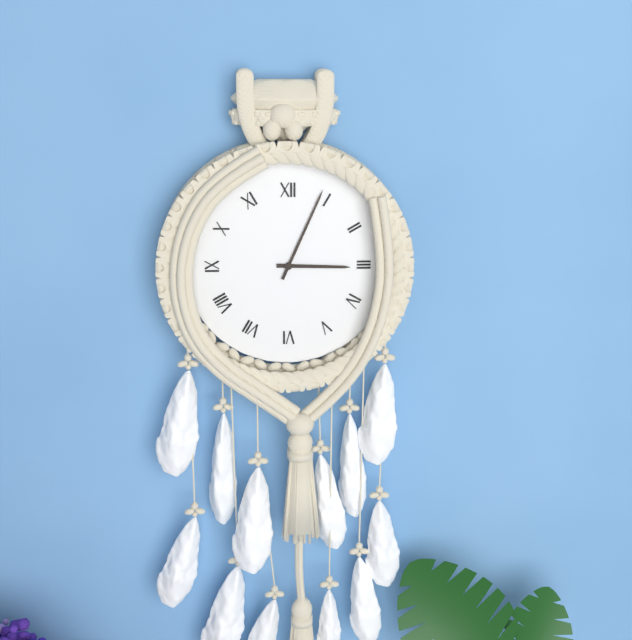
3:04
